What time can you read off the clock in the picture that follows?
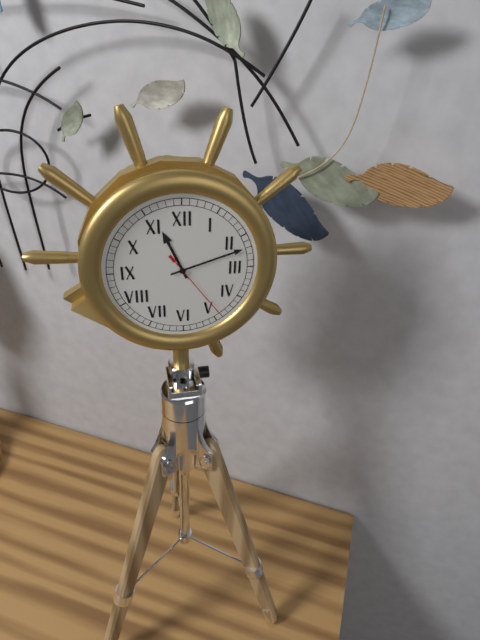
11:12:24
